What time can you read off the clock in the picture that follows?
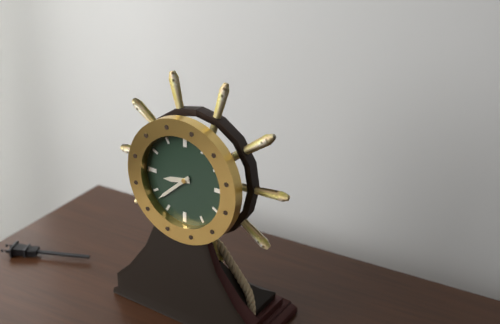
8:38
